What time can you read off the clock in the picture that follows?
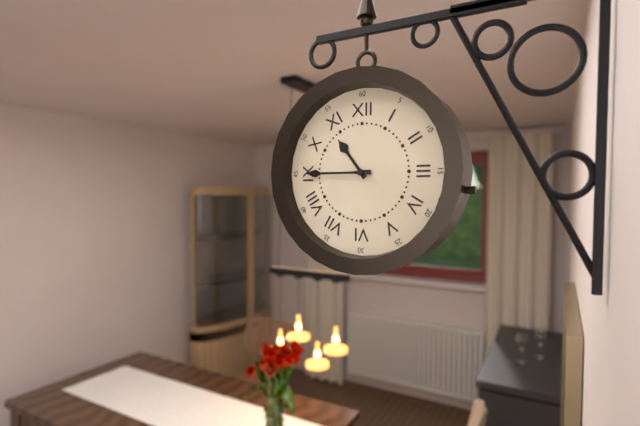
10:45
